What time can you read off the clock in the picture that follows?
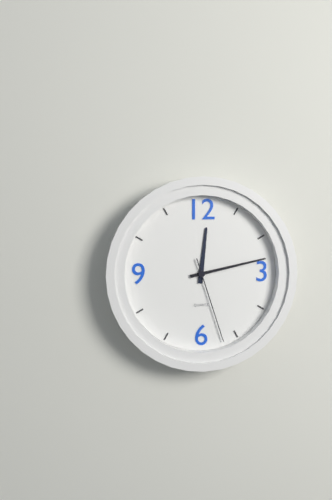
12:13:27
